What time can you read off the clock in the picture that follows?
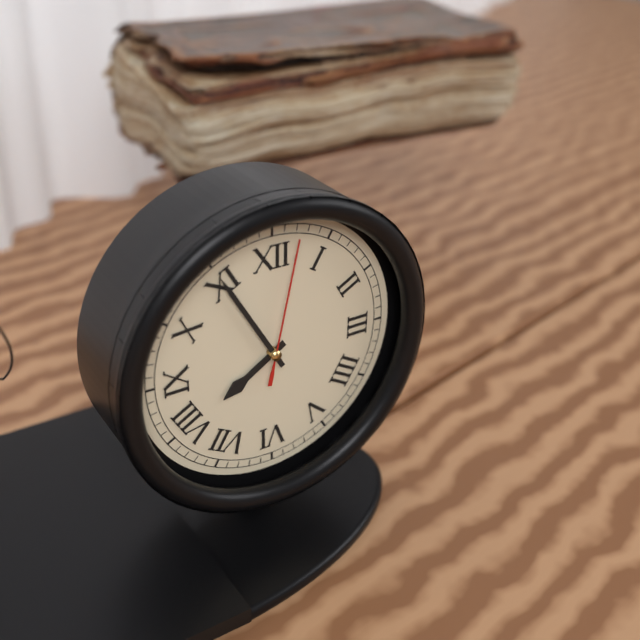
7:55:02
